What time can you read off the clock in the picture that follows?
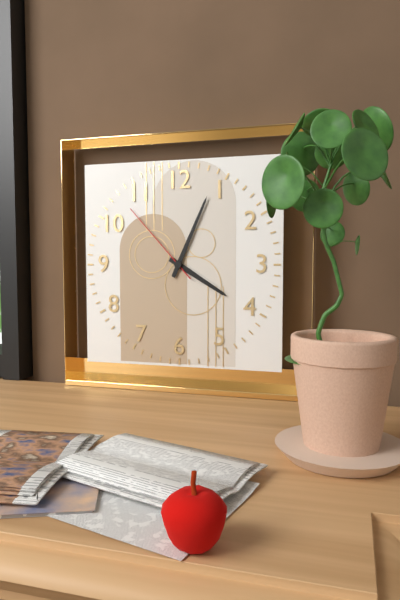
4:04:53
